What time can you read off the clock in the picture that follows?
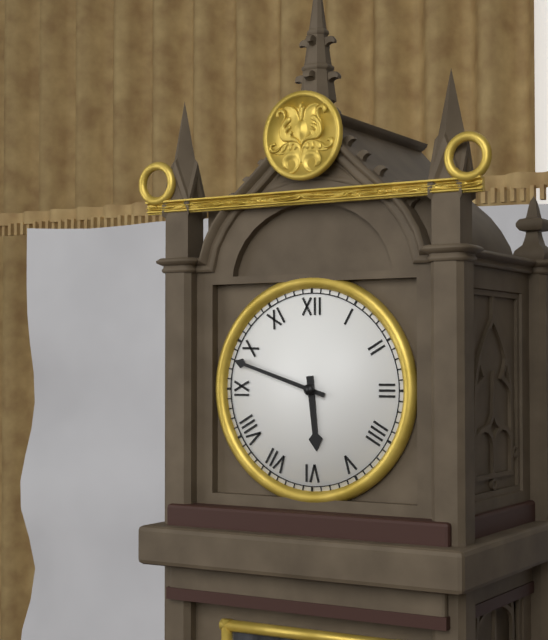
5:48
